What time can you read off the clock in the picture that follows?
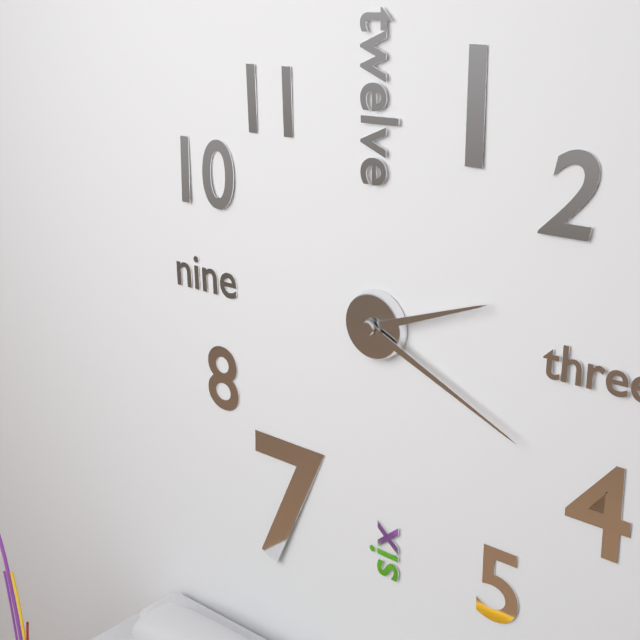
2:19
